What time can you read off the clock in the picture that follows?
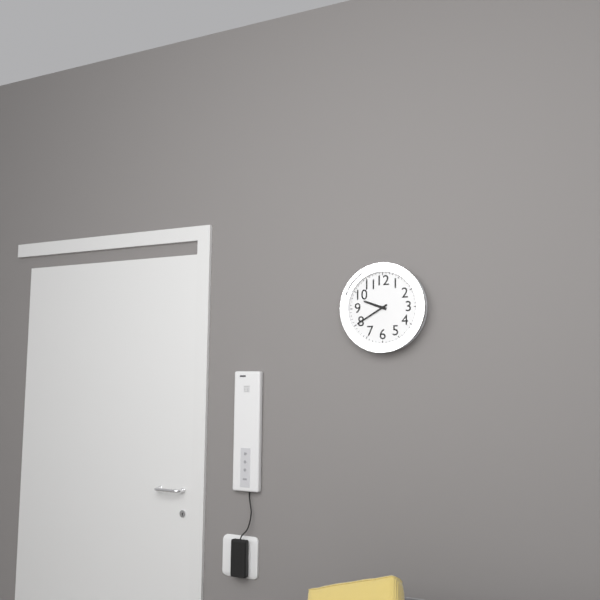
9:40
